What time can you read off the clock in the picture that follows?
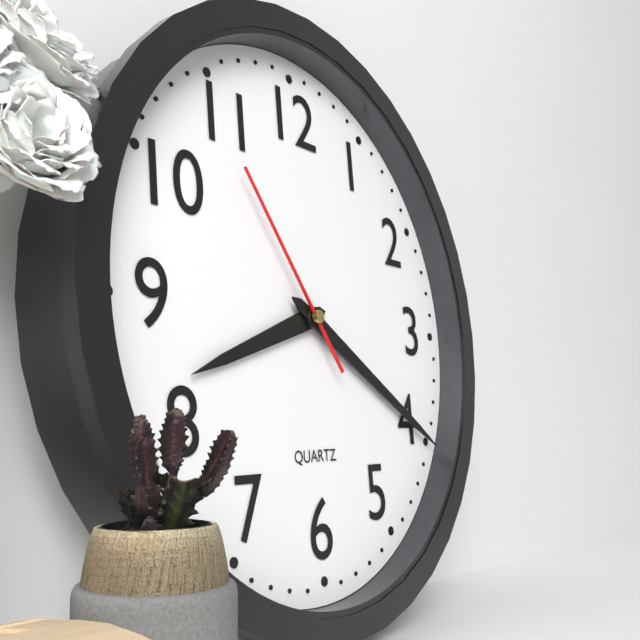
8:20:54
